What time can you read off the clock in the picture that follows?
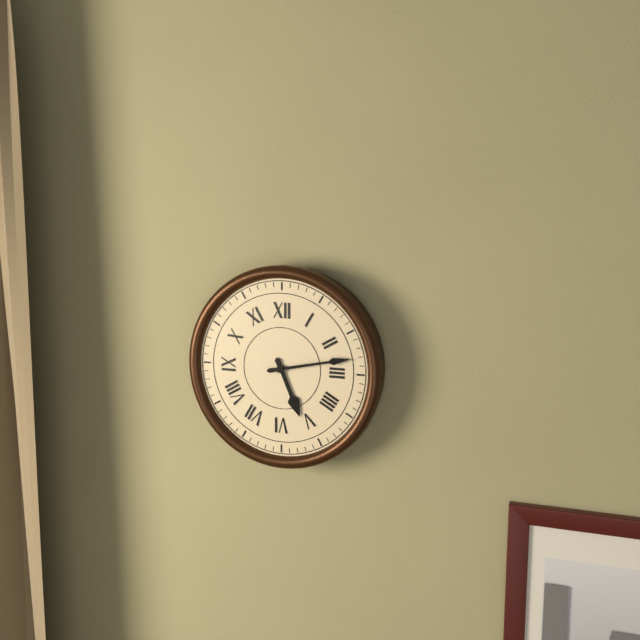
5:13
